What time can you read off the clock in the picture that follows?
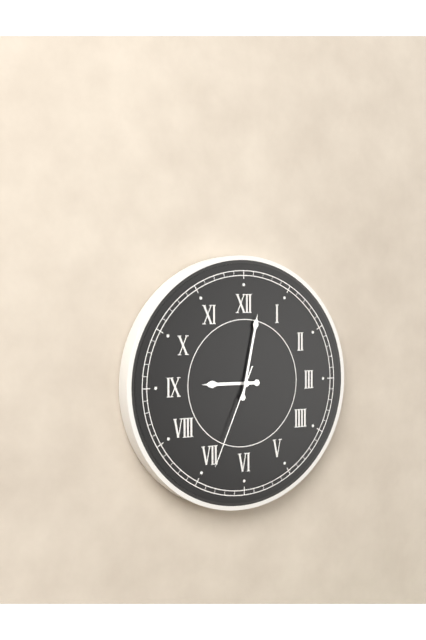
9:02:34
